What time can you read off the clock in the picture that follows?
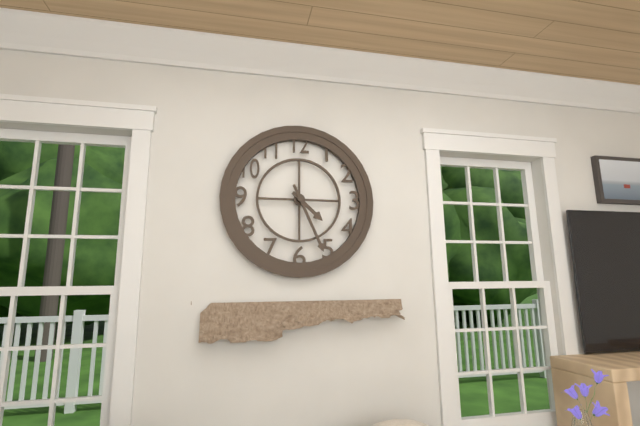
4:26
